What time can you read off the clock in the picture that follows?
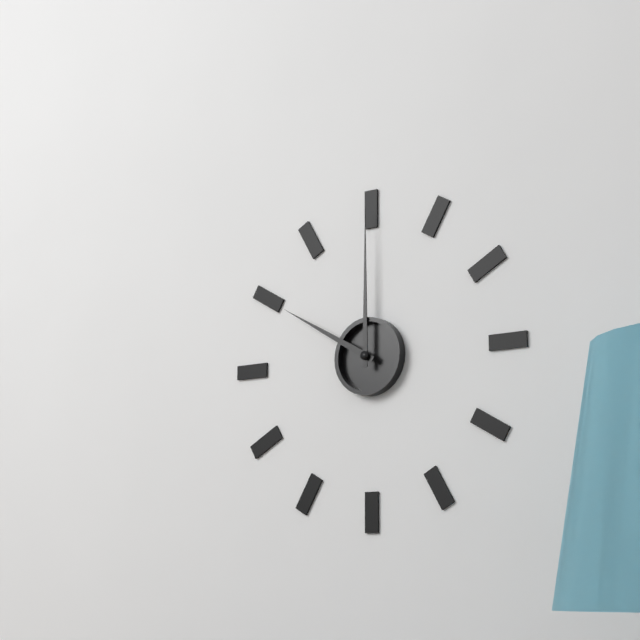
10:00
